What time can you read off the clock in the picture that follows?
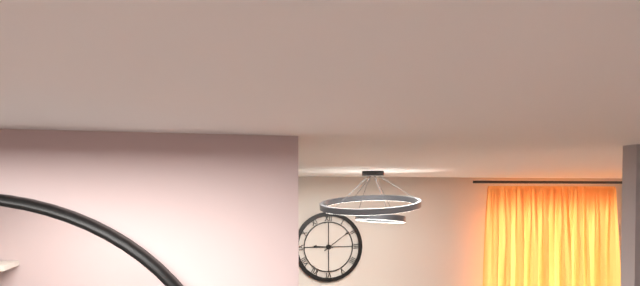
9:09
